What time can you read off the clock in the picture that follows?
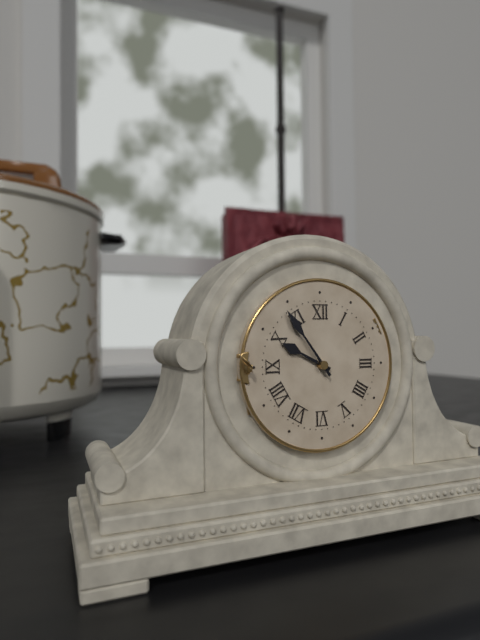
9:54
